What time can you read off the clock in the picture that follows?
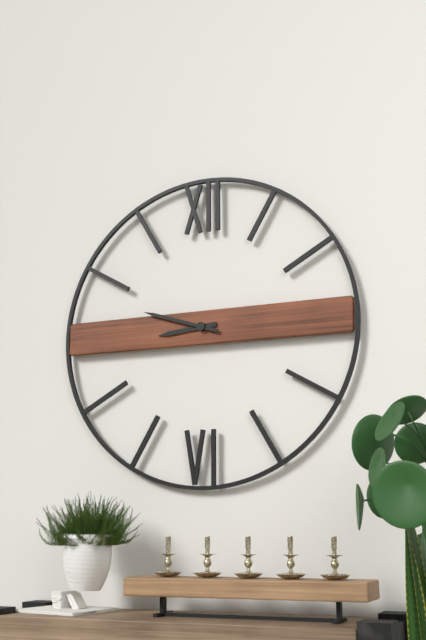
8:48
